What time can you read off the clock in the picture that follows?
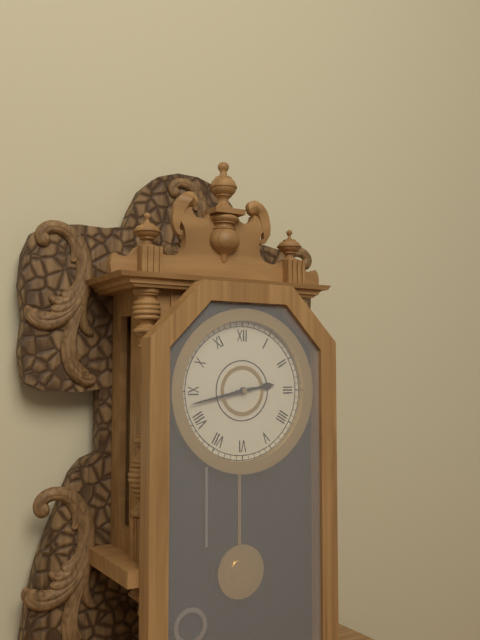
2:43
